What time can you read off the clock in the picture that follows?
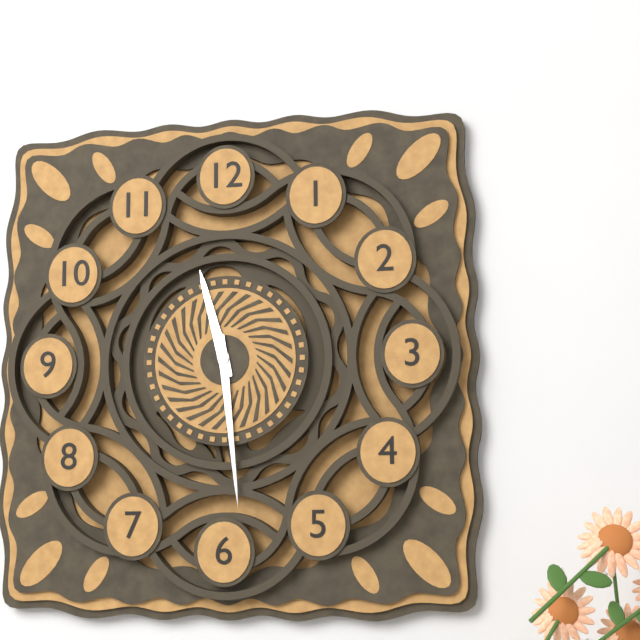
11:29
